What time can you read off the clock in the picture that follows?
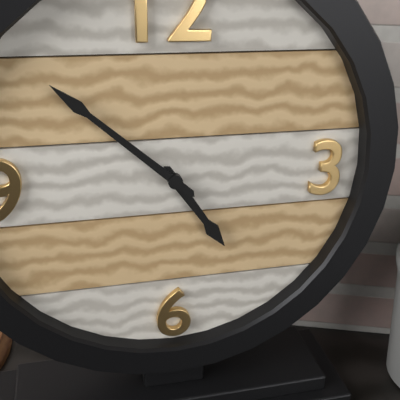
4:52
